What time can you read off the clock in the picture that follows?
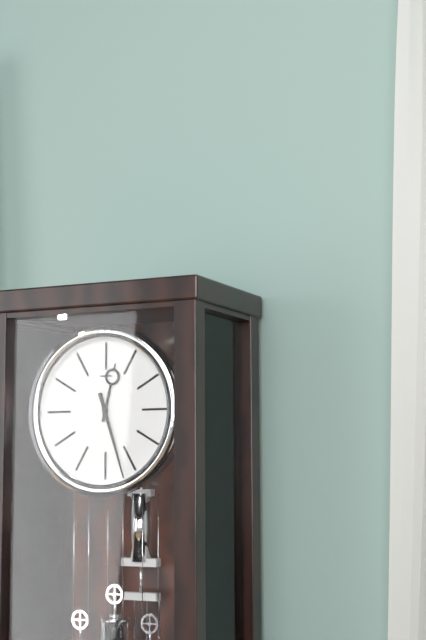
12:27
